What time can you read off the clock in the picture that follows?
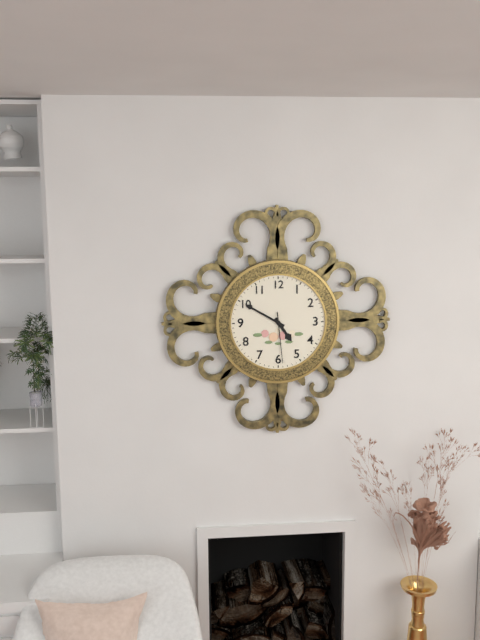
4:50:29
